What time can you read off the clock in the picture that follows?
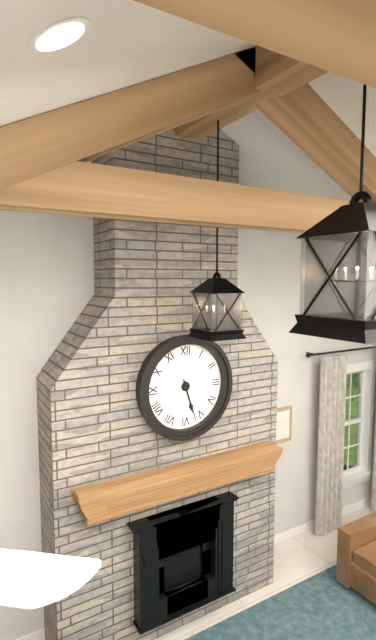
5:27
